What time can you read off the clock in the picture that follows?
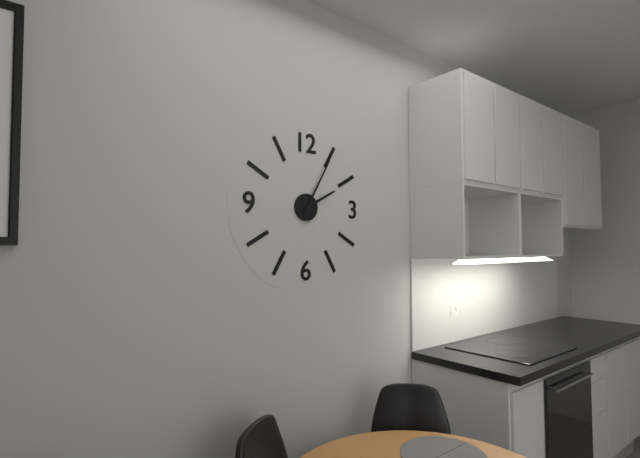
2:05
